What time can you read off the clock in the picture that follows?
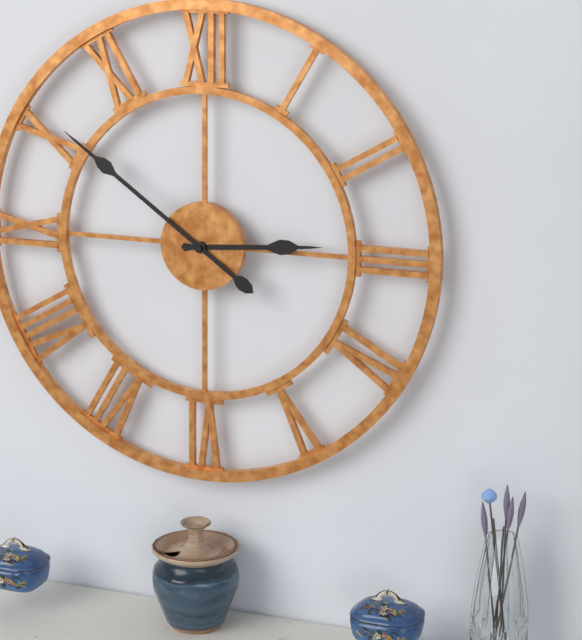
2:51
